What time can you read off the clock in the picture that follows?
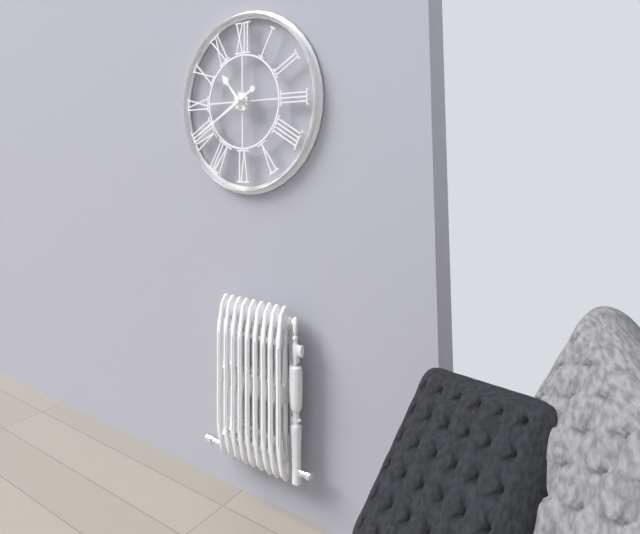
10:40
